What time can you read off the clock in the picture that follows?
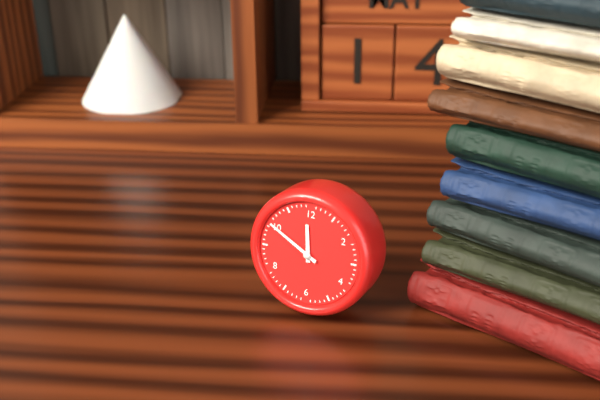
11:50
